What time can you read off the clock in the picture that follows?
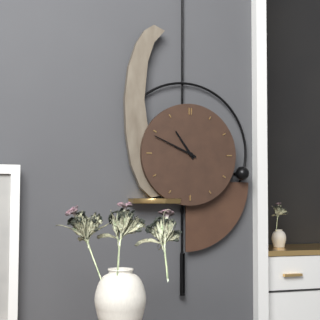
10:49
